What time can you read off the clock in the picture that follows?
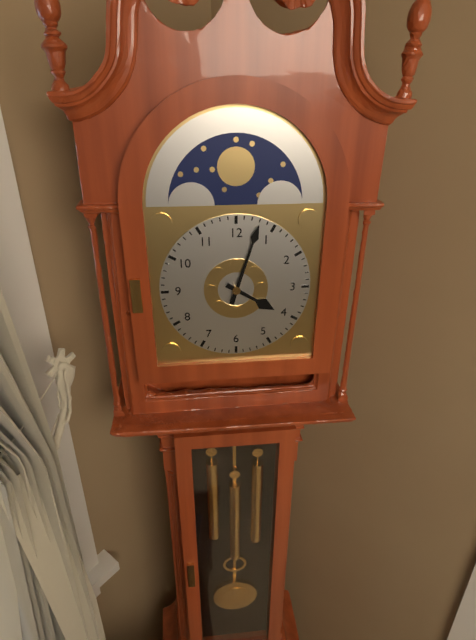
4:03
